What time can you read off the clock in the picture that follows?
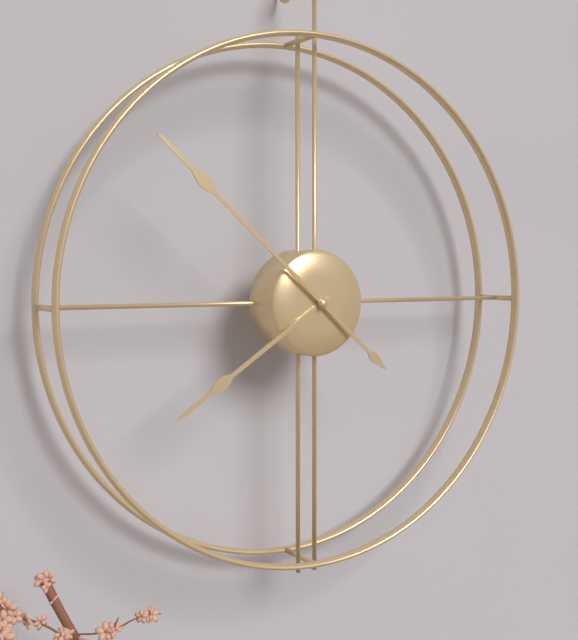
7:52
